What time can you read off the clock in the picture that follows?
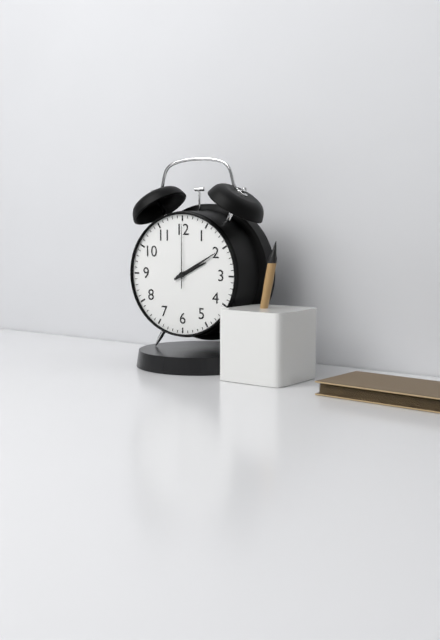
2:10:00
